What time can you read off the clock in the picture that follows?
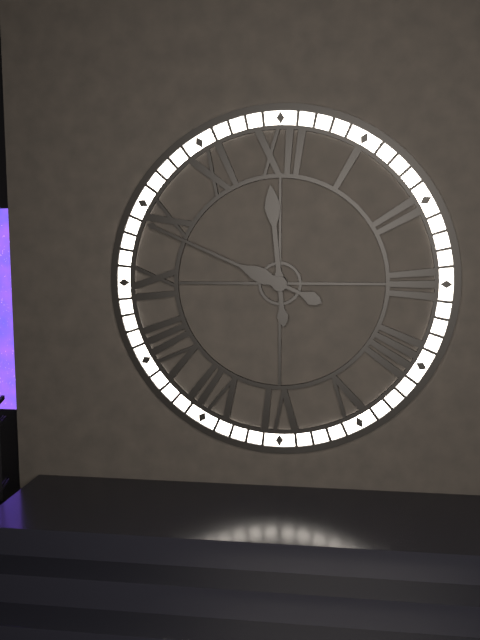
11:49
